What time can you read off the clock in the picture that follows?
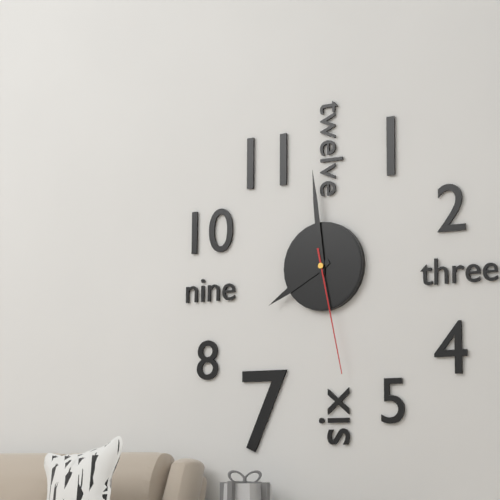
7:59:28
